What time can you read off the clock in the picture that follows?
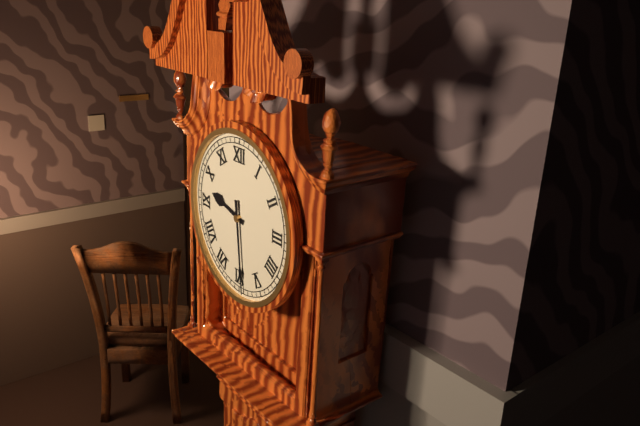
9:29
